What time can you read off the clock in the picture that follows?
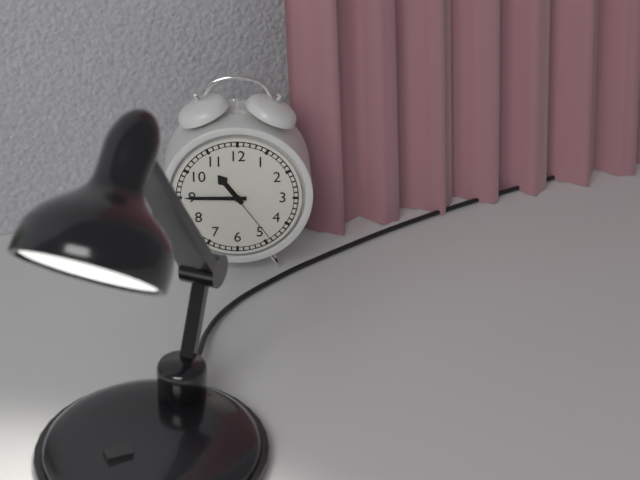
10:45:24
